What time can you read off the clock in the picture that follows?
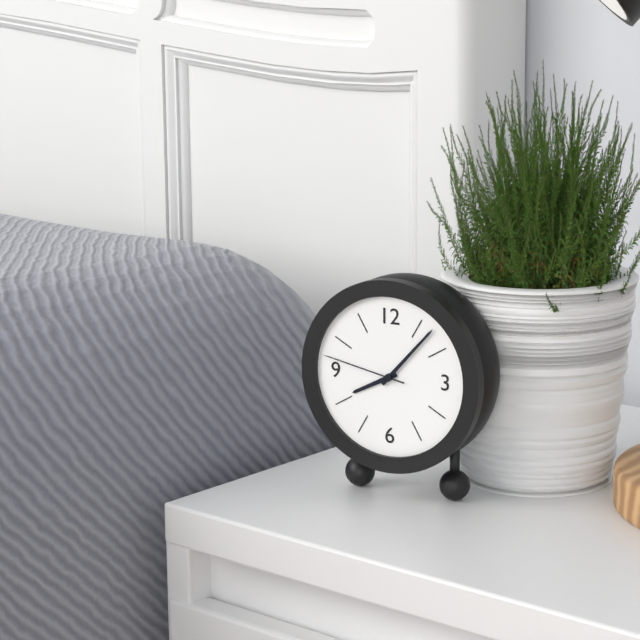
8:07:47
